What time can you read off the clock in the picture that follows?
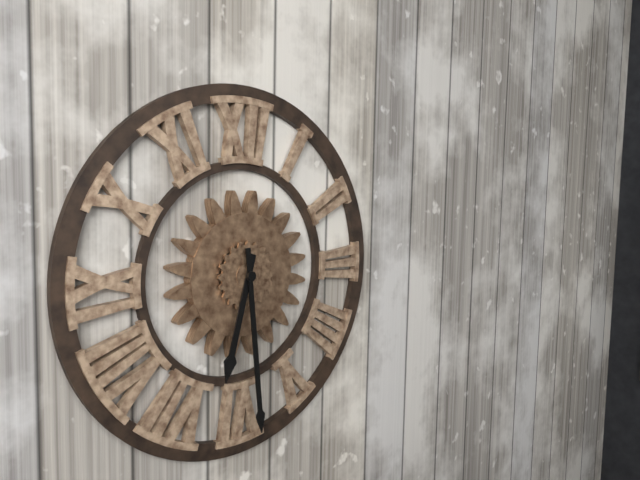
6:29
